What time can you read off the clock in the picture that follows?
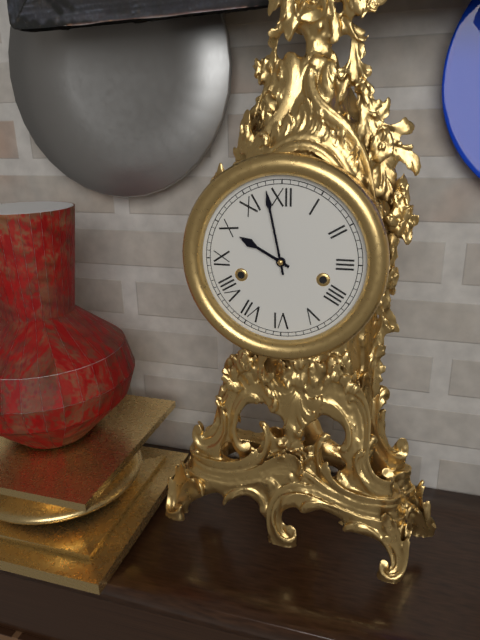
9:58
